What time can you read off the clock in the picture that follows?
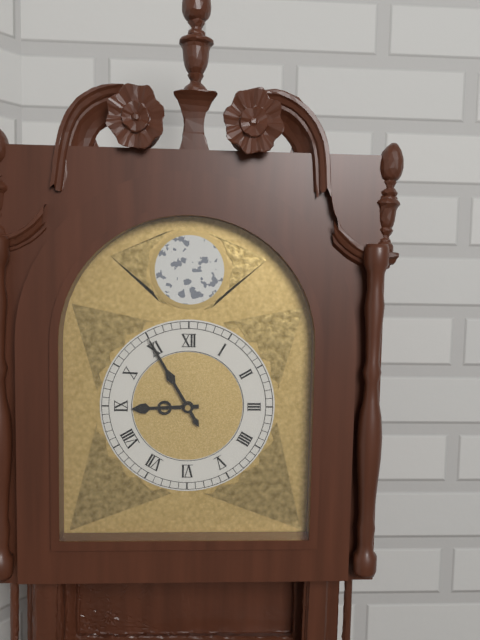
8:55
